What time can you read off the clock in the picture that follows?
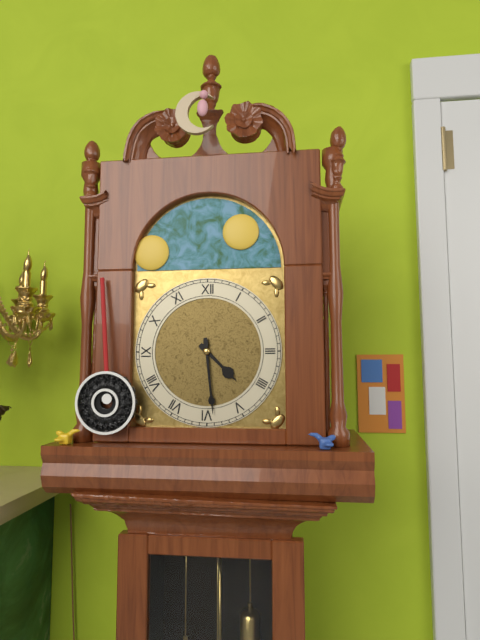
4:29
